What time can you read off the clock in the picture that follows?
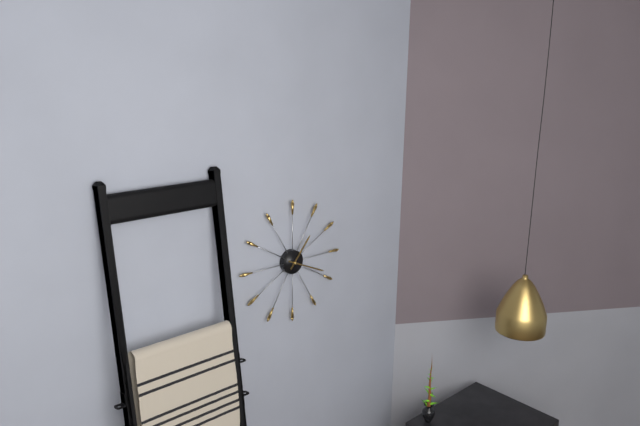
1:19
